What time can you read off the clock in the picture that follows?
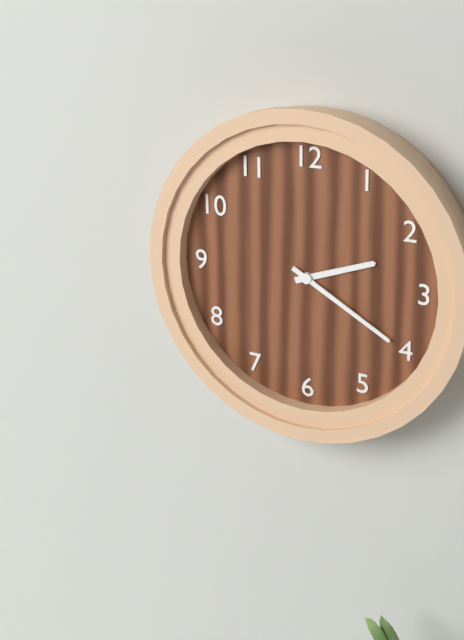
2:20
